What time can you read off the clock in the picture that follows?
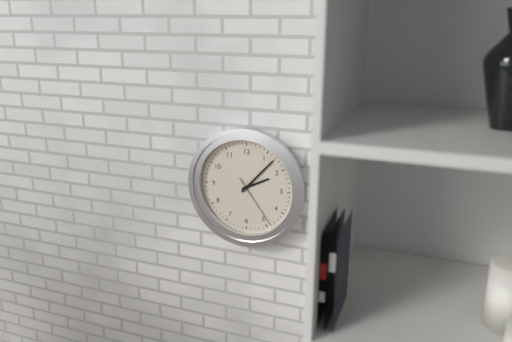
2:07:24
